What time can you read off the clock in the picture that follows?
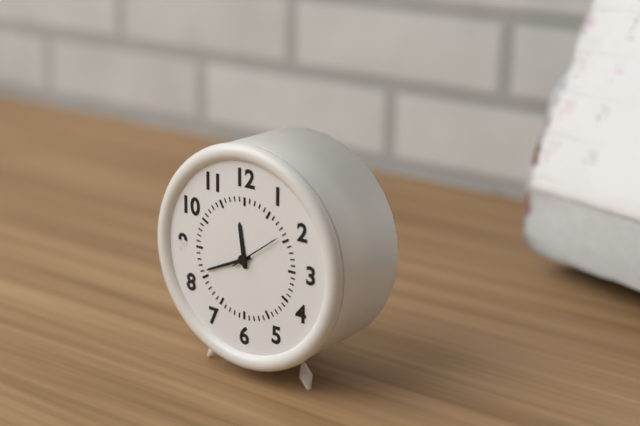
11:41:09
